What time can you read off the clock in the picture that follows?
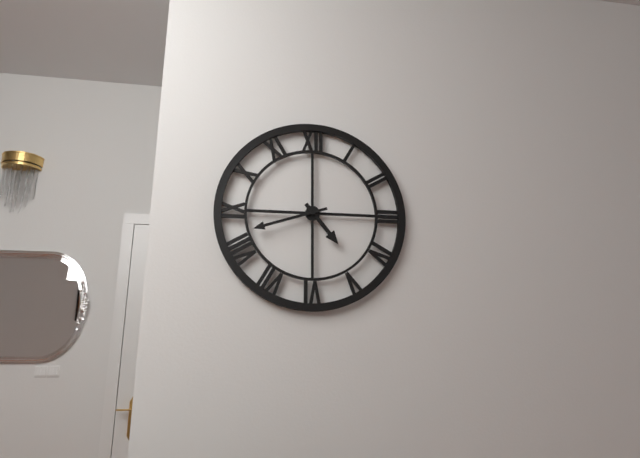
4:42
